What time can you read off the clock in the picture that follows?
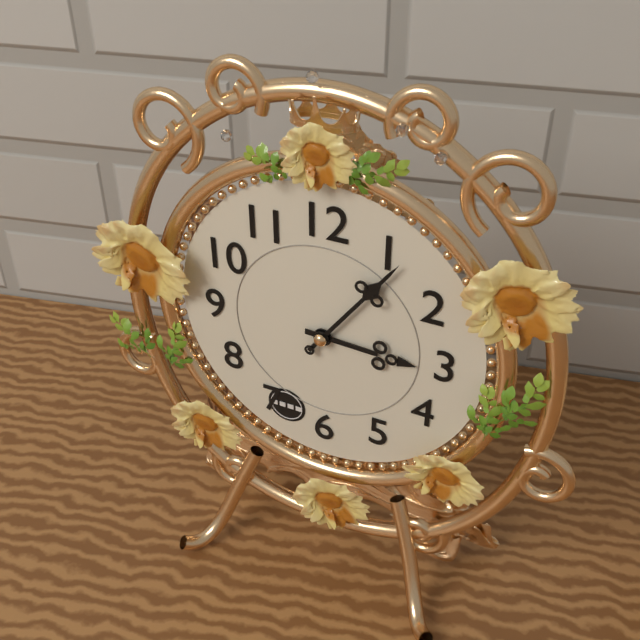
3:06
